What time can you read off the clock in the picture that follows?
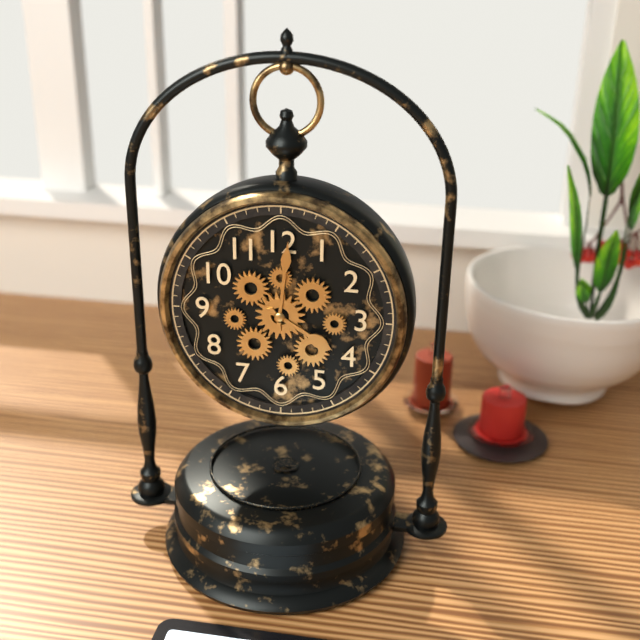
4:01
